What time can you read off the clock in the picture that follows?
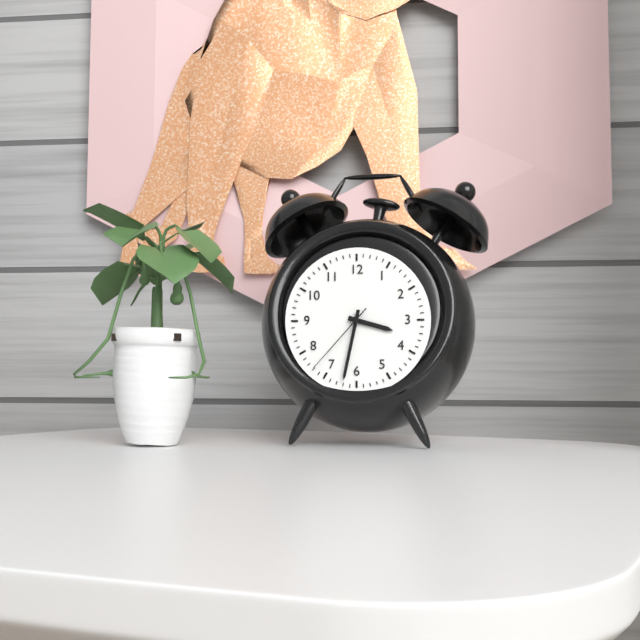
3:32:37
